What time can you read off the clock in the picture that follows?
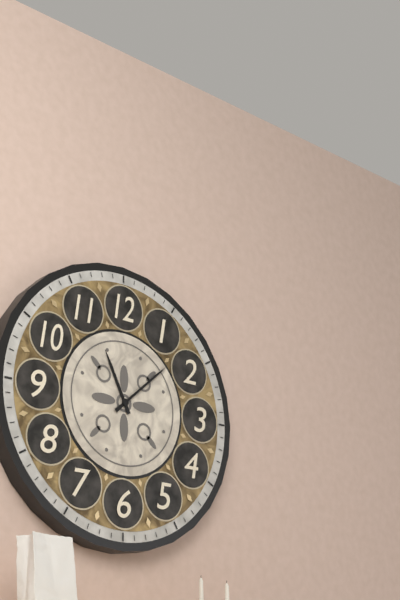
11:08
